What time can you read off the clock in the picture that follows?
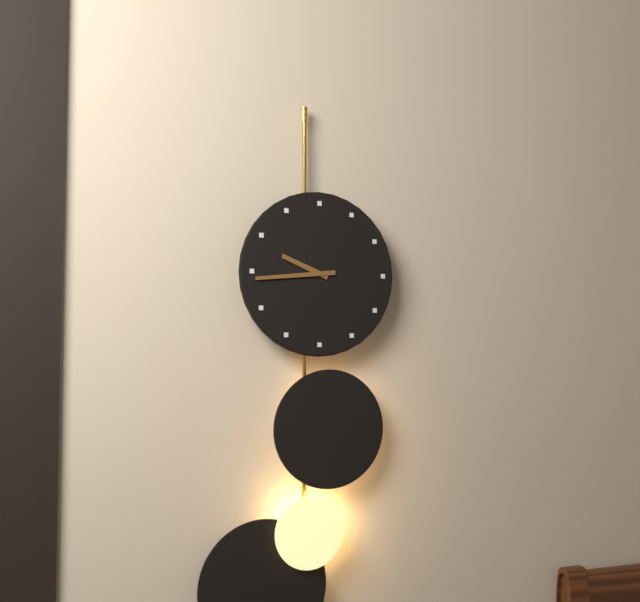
9:44
